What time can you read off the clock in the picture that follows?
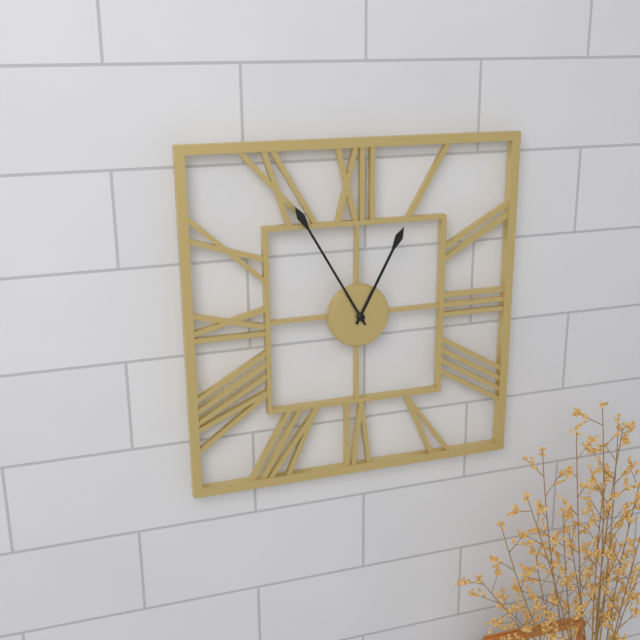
12:55
